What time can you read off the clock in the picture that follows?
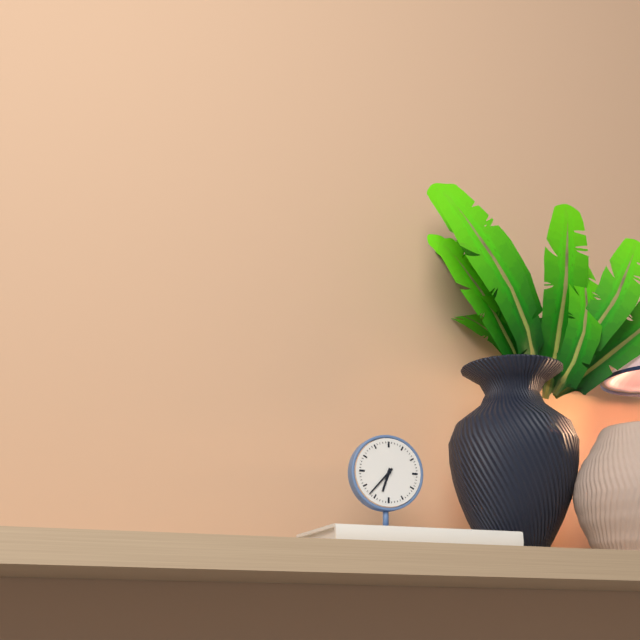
6:37
